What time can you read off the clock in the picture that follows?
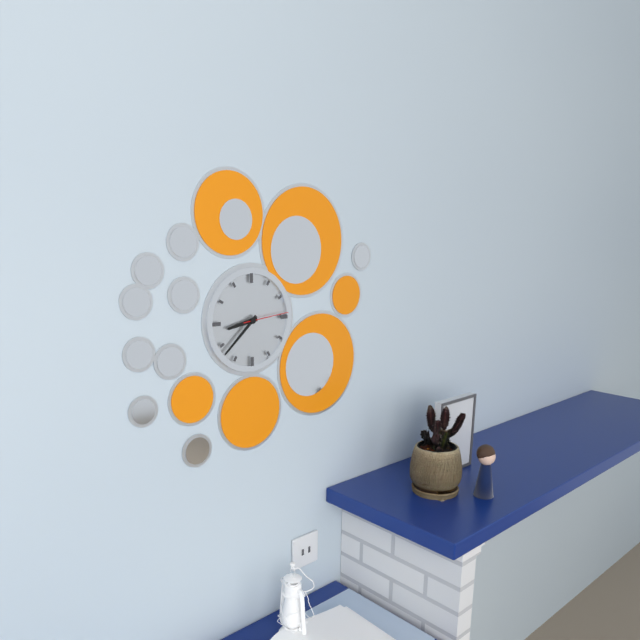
8:38
